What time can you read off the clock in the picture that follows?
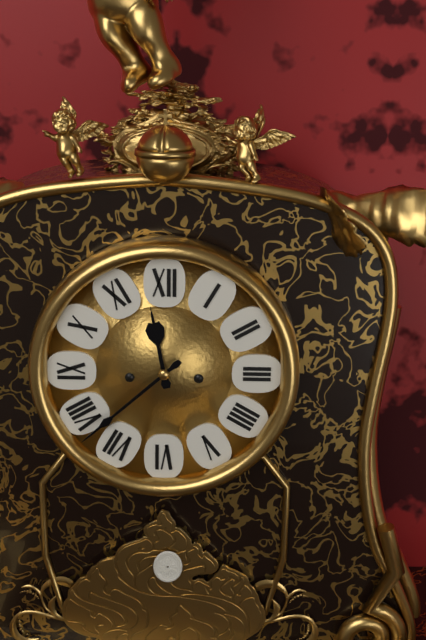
11:38
